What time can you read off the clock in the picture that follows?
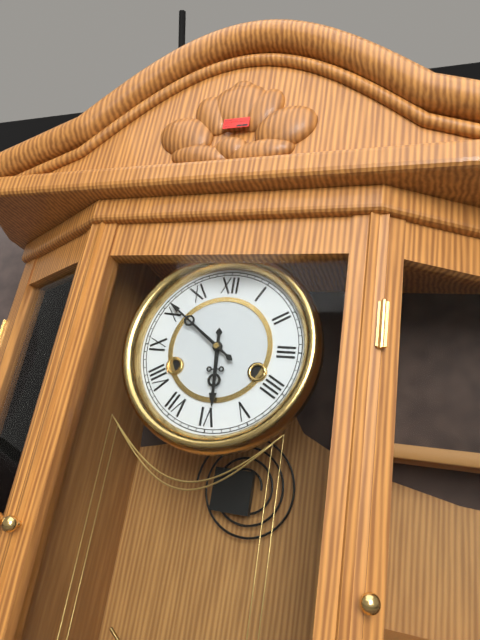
5:51
